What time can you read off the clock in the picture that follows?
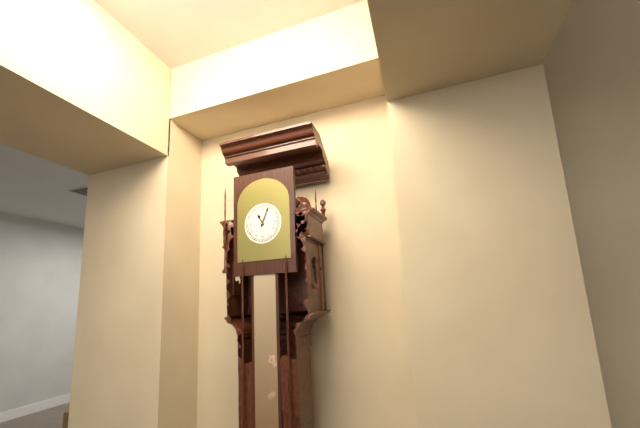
11:04
